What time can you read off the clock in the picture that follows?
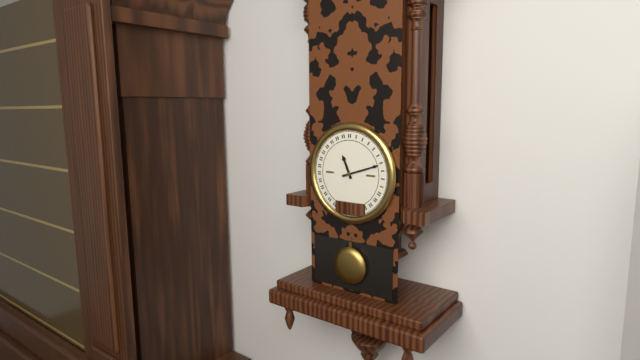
11:12
